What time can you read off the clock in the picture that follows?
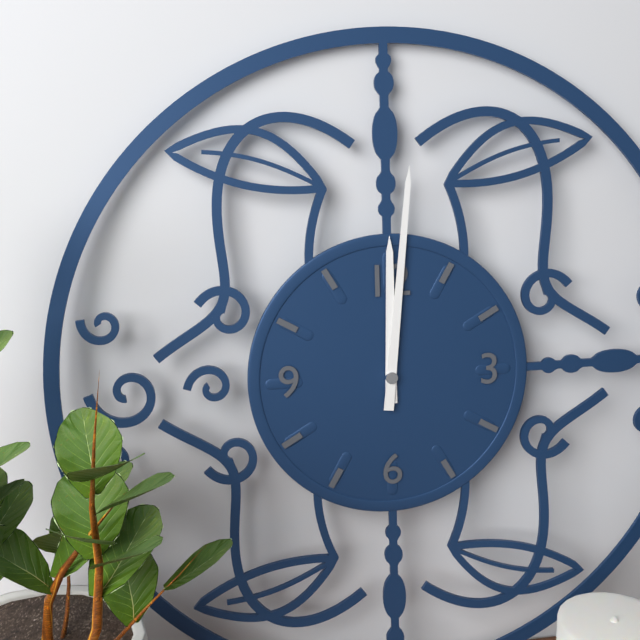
12:01
